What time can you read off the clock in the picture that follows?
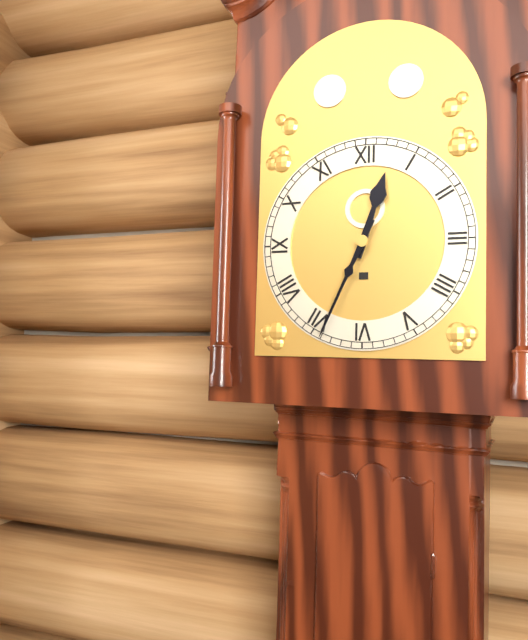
12:34
